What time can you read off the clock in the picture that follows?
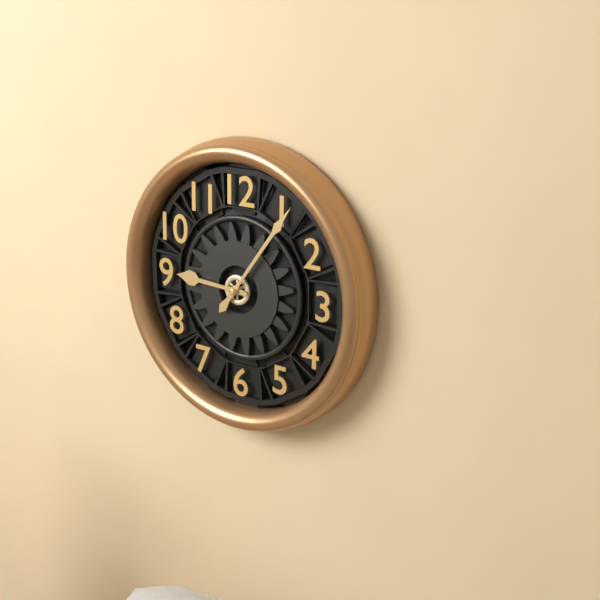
9:06
